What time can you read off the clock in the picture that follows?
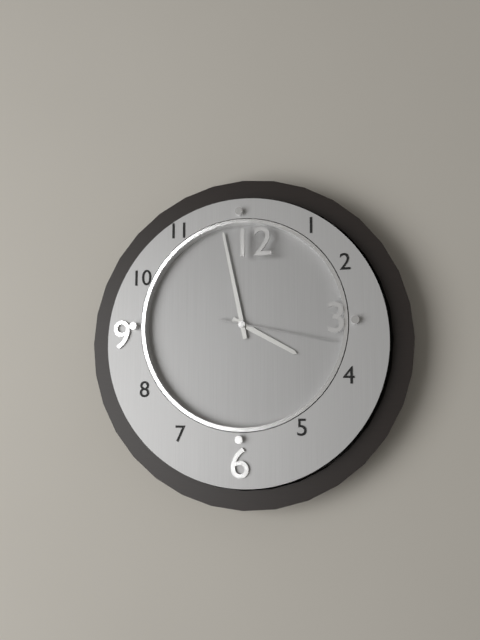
3:58:17
